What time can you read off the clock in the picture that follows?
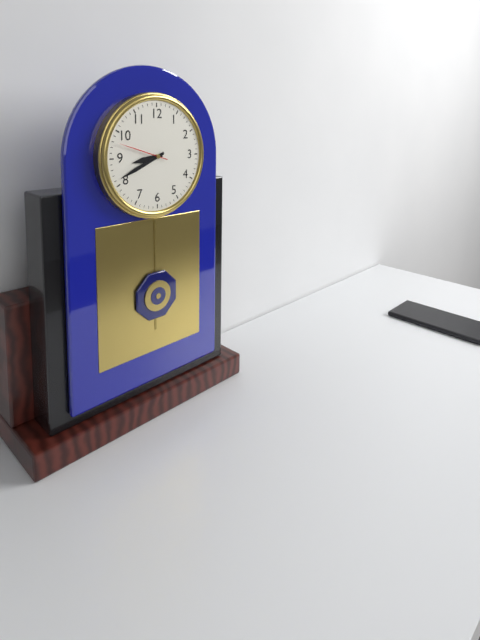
8:41:48
